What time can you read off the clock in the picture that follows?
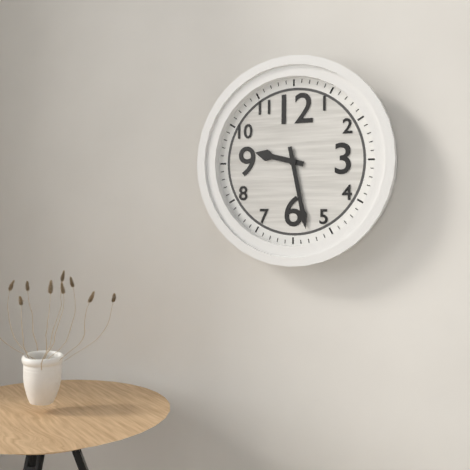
9:28
